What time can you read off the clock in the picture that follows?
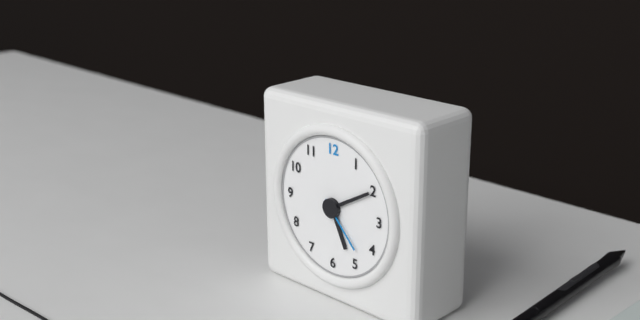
5:10:23
